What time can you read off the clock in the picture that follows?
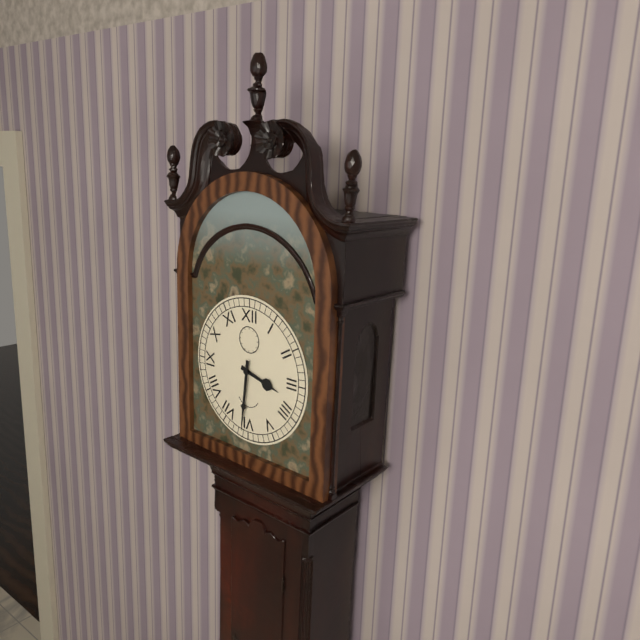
3:31
